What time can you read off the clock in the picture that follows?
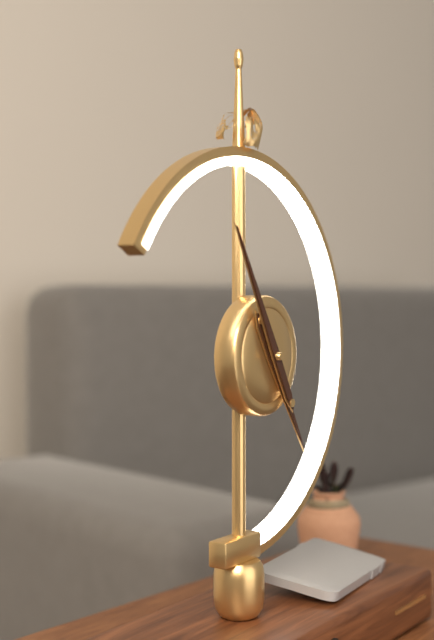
4:55
